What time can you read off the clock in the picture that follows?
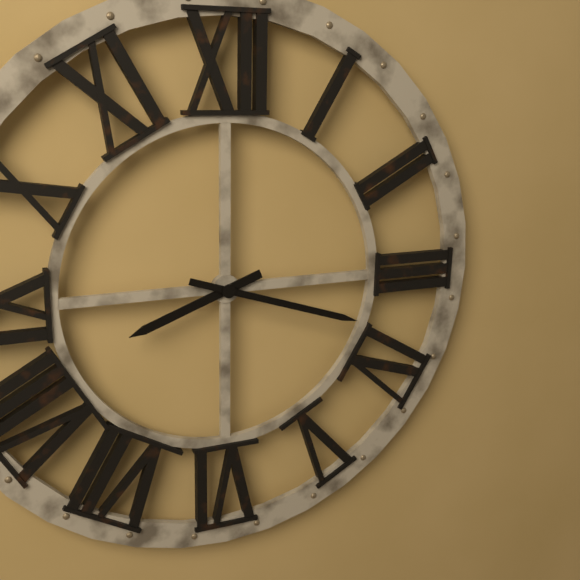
8:18
